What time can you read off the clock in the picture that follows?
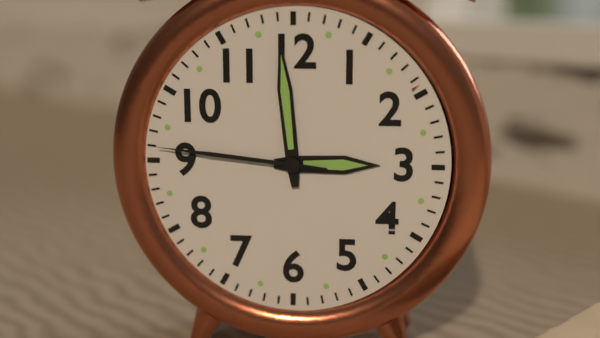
2:59:46
